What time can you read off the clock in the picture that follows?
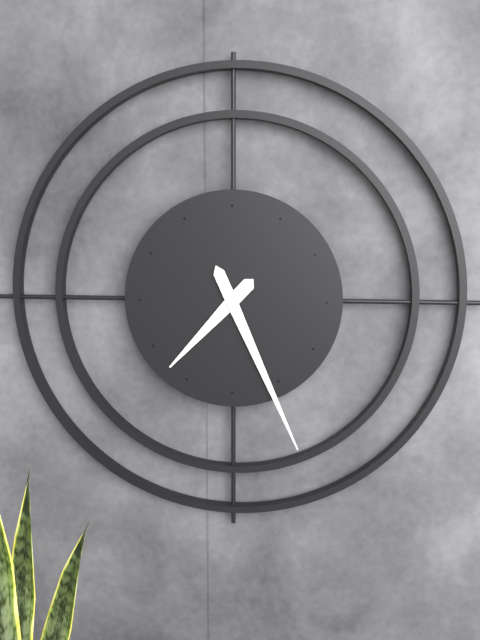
7:26
